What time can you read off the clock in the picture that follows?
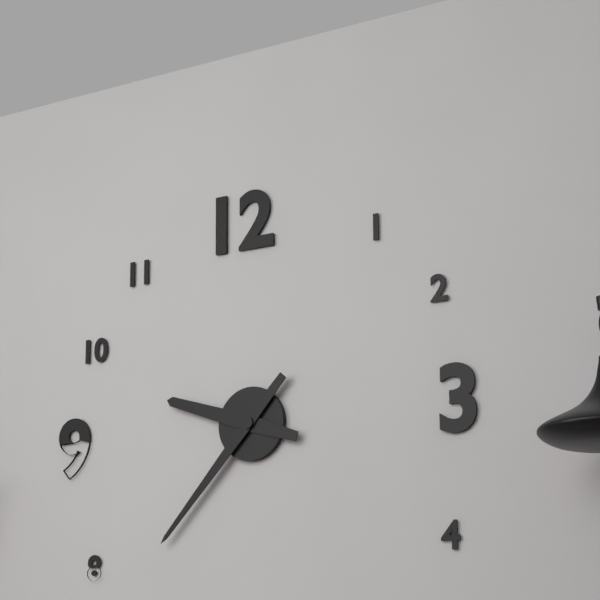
9:37
